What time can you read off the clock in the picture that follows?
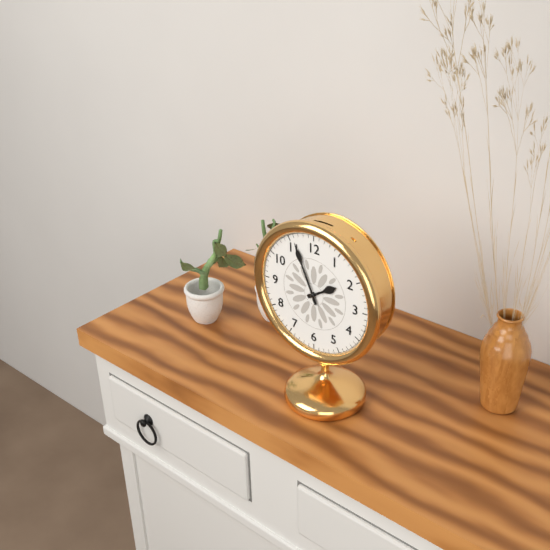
1:56
